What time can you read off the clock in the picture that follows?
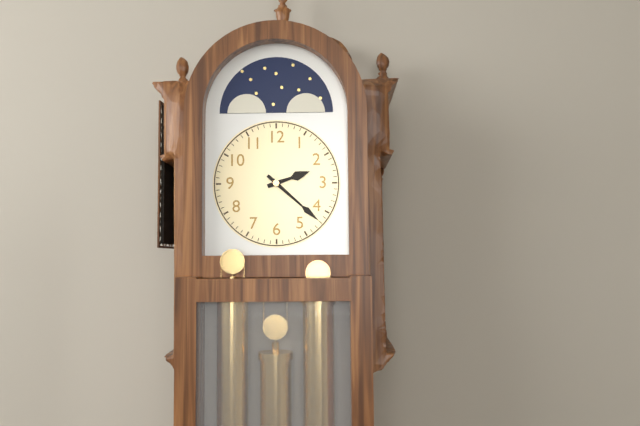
2:22
